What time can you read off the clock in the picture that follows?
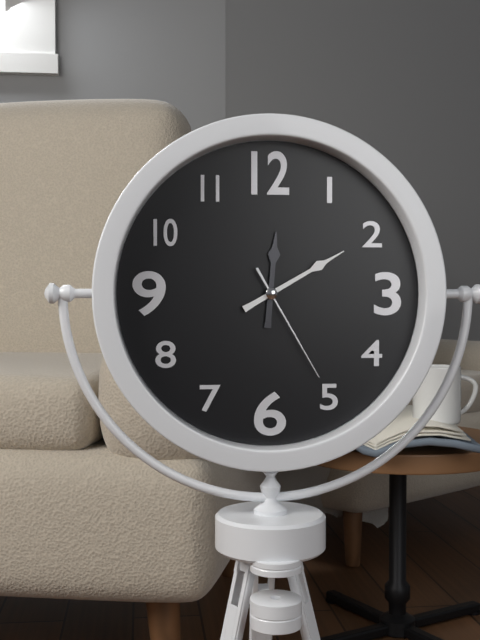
12:10:25
